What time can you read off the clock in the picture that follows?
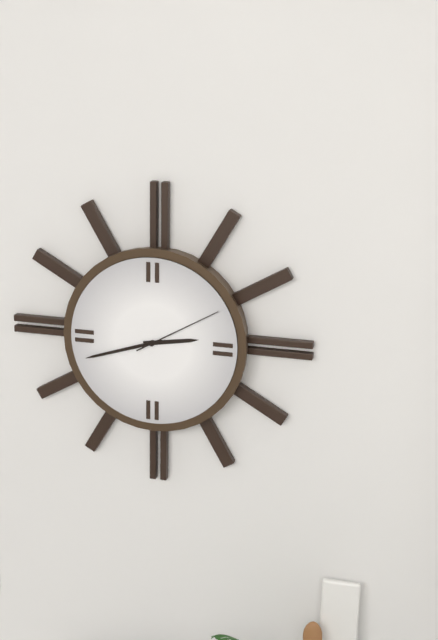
2:42:10
